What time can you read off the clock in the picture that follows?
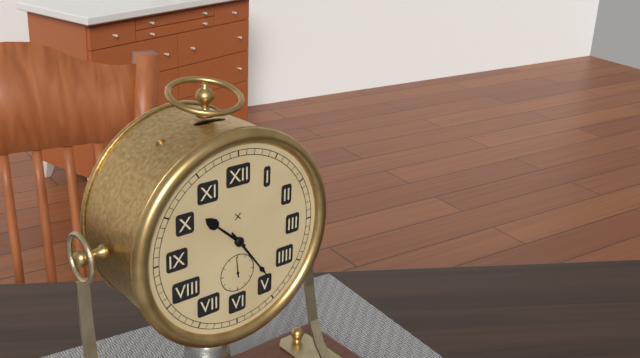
10:24
